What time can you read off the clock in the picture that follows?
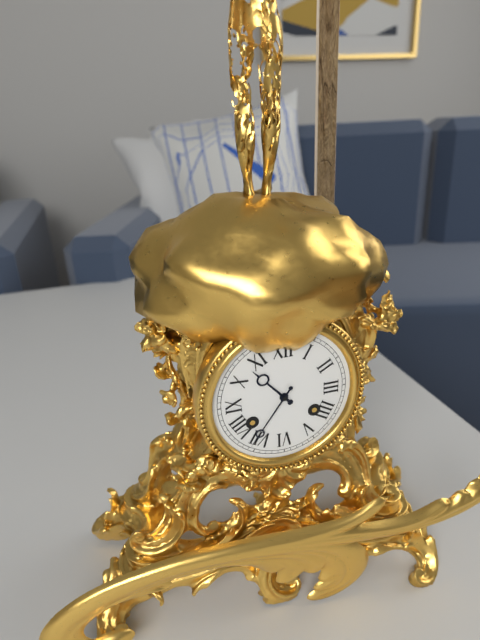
10:36
